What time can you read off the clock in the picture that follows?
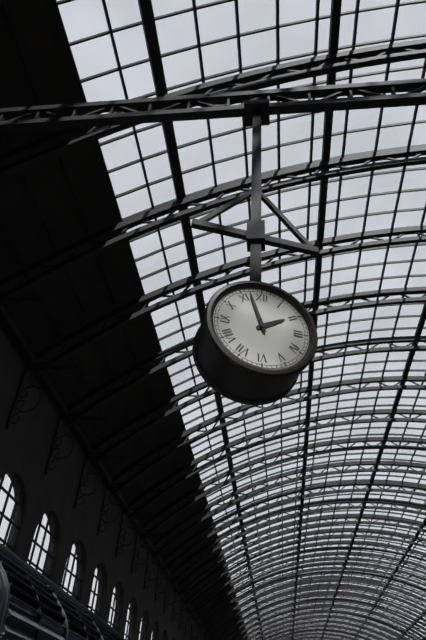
1:57
